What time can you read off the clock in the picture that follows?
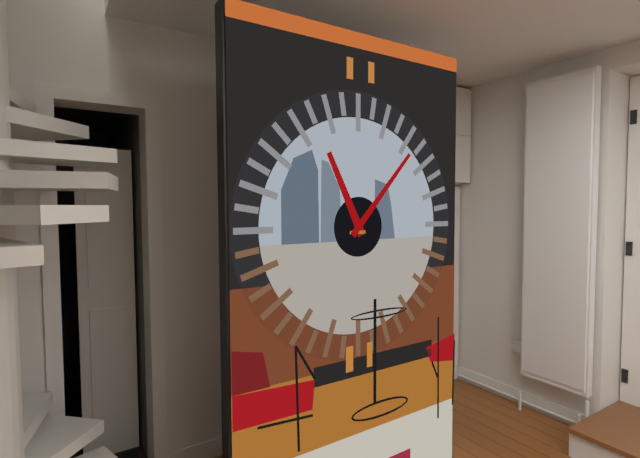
11:07
